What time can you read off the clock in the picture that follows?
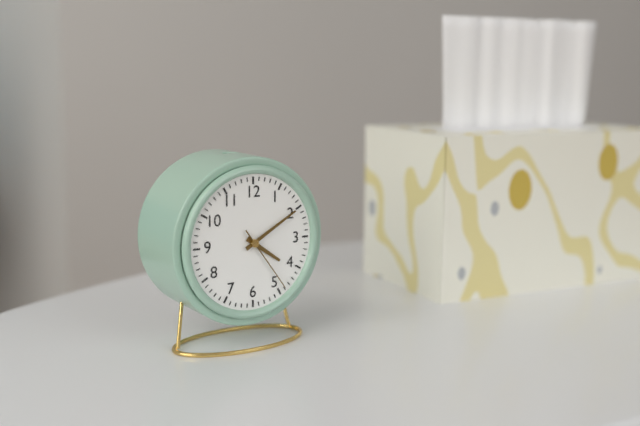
4:10:24
